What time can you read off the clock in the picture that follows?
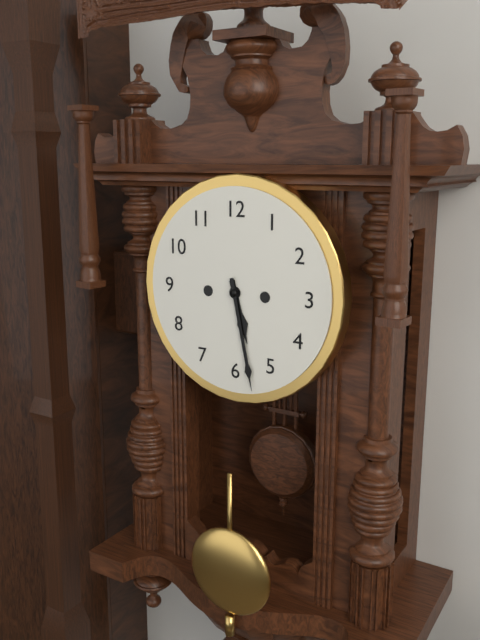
5:28
